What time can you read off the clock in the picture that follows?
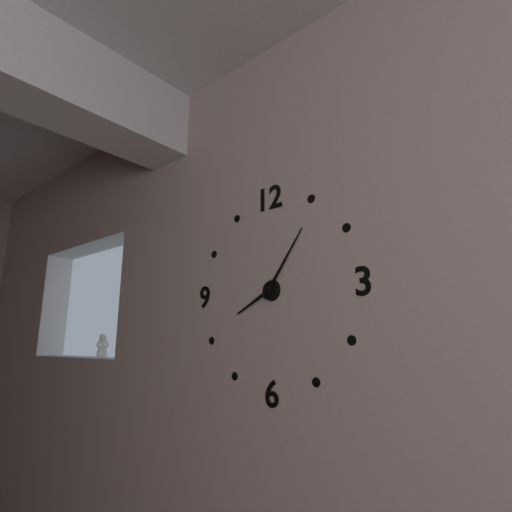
8:06
